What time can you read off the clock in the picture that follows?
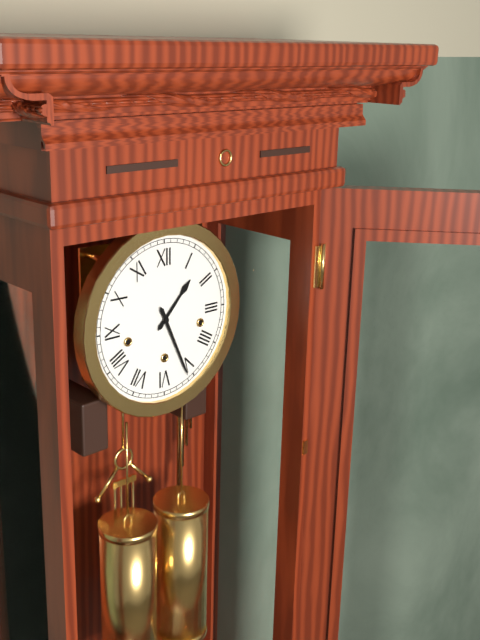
1:26
